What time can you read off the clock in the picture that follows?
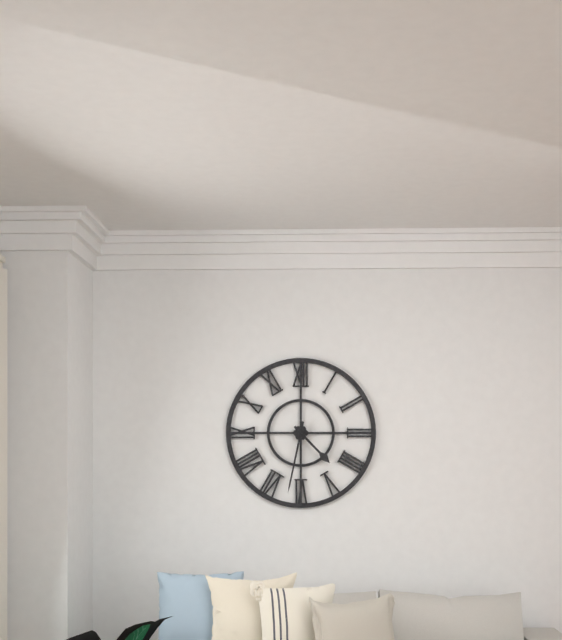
4:32
